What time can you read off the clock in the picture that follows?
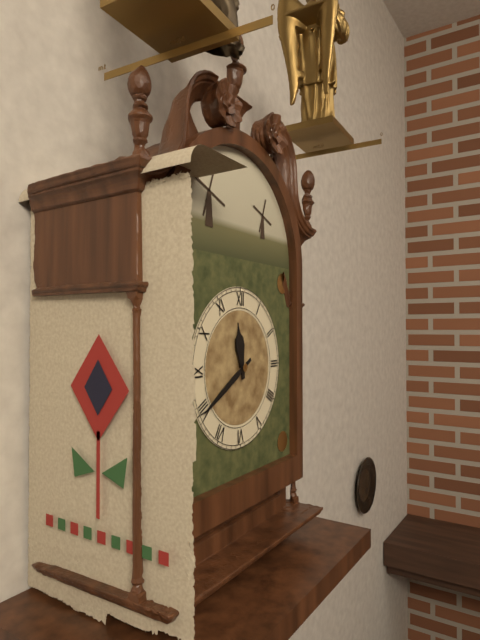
11:40
